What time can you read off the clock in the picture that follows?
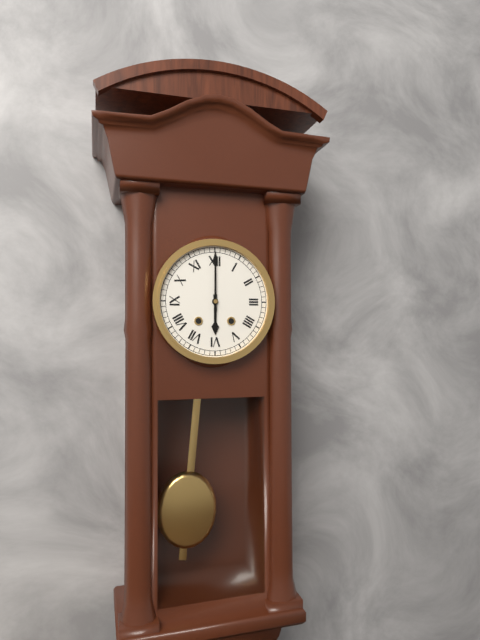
6:00
